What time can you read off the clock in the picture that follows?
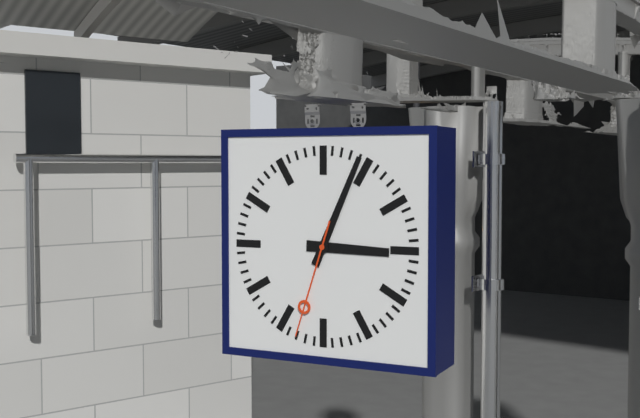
3:04:33
